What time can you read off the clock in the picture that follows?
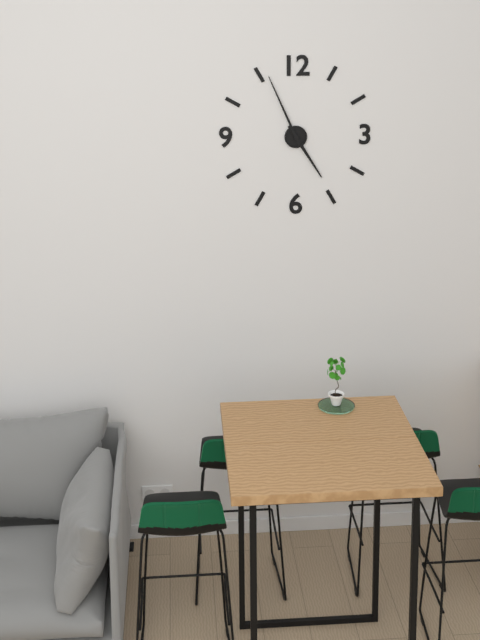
4:56
